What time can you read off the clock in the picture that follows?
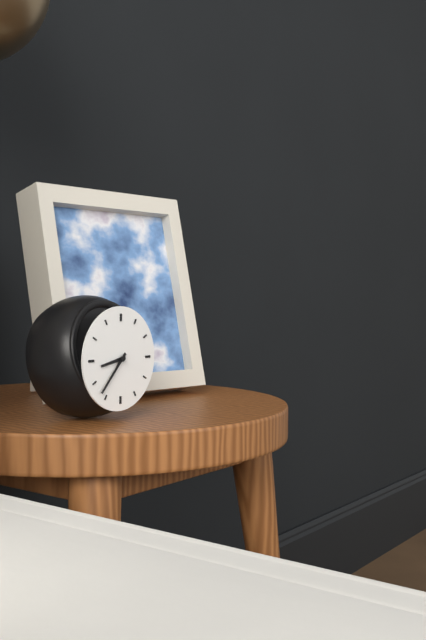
8:37
